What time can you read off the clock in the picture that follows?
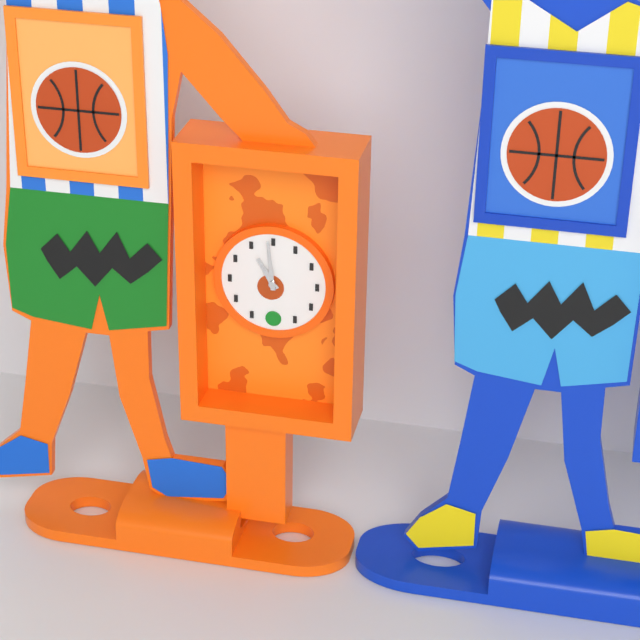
10:59
